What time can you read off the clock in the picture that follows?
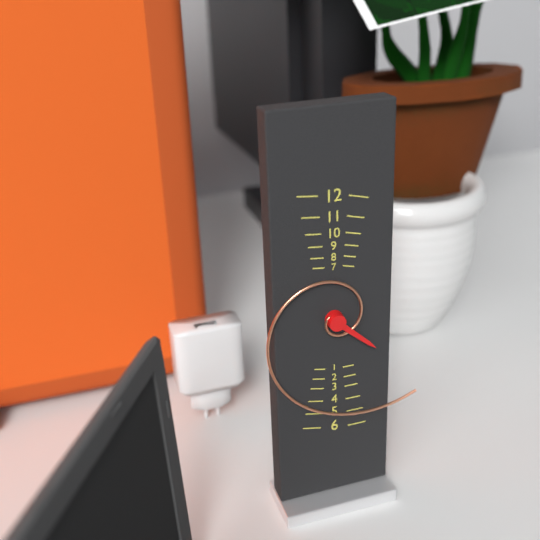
4:23
